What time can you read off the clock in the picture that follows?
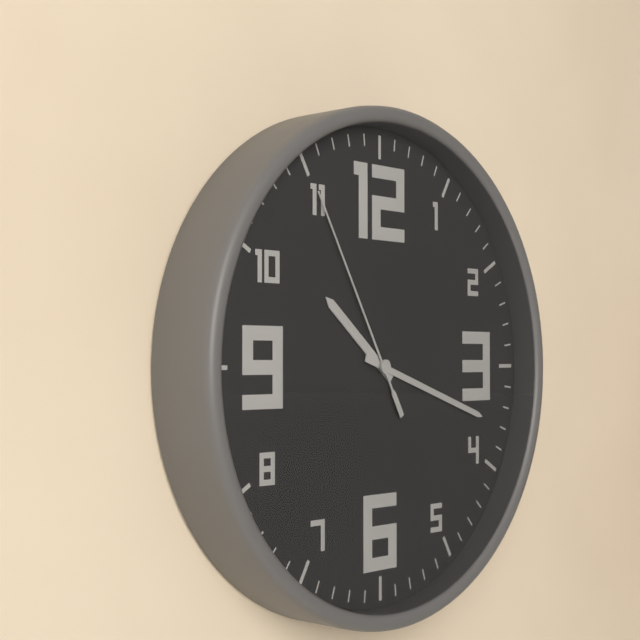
10:18:55
